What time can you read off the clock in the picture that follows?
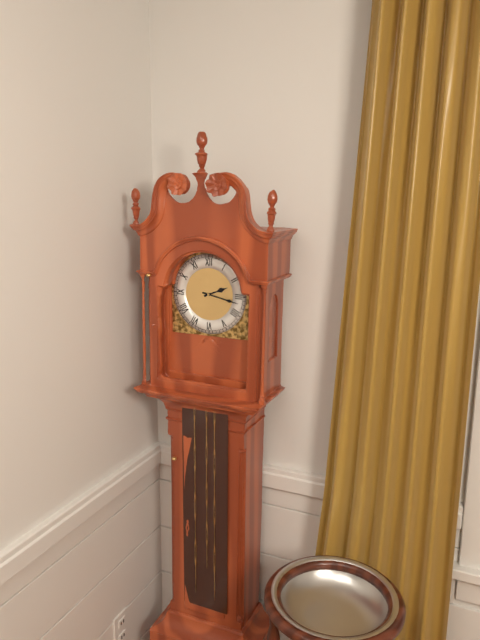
2:17
